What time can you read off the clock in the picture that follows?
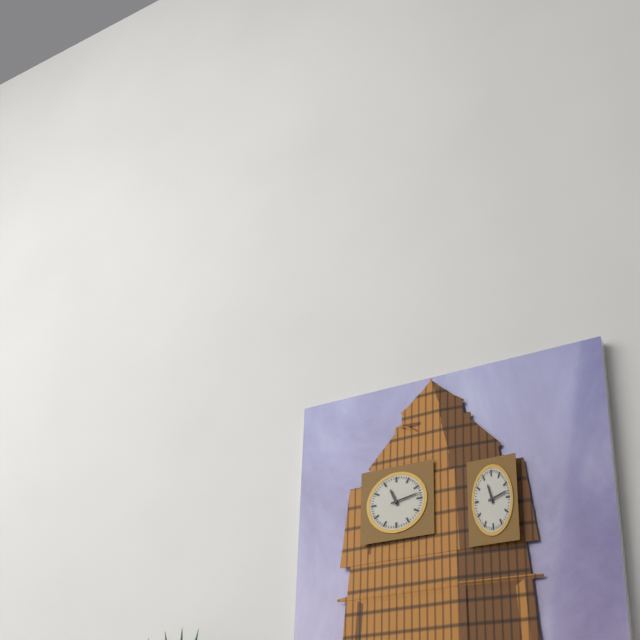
11:13
